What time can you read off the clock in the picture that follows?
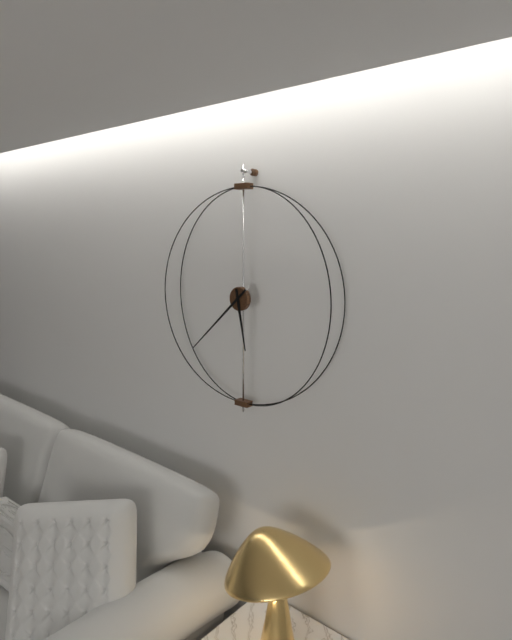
5:38
